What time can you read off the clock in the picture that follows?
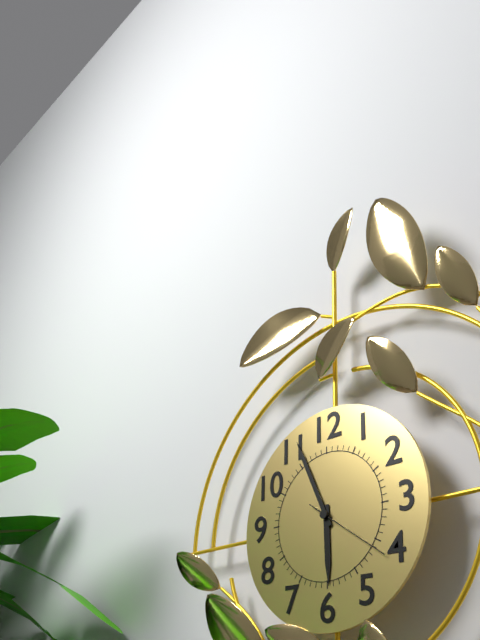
5:56:21
